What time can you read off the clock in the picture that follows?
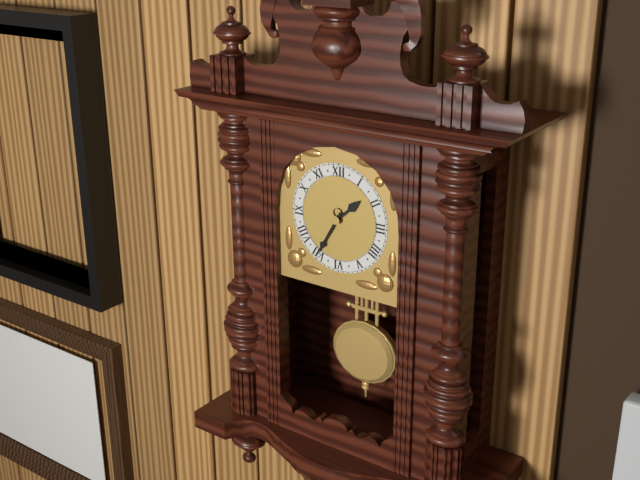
1:35
